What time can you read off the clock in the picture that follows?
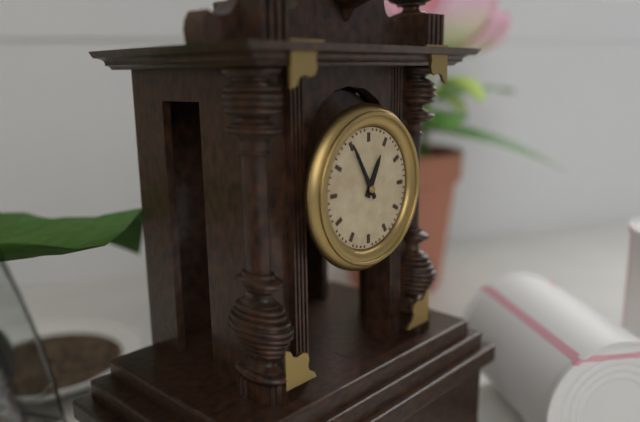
12:55
